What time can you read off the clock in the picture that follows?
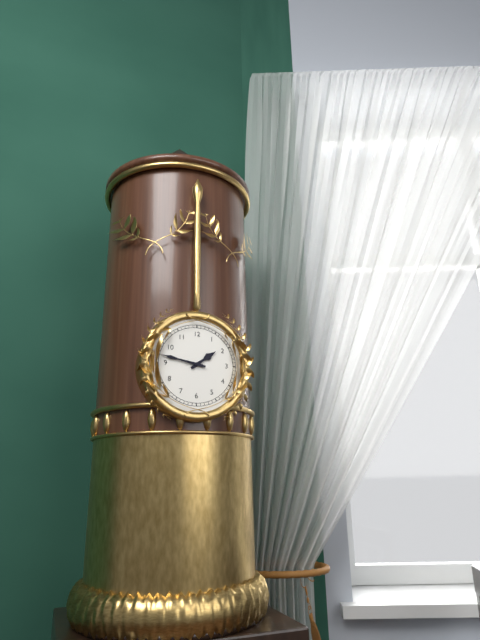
1:47
